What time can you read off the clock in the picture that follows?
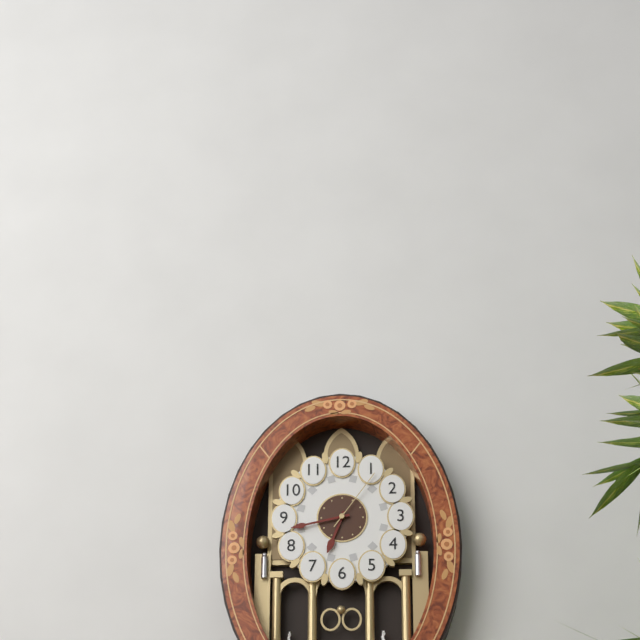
6:43:06
